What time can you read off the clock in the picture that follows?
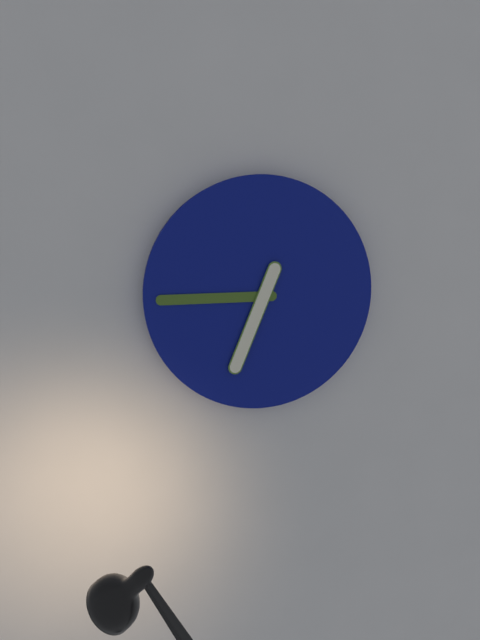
6:45
